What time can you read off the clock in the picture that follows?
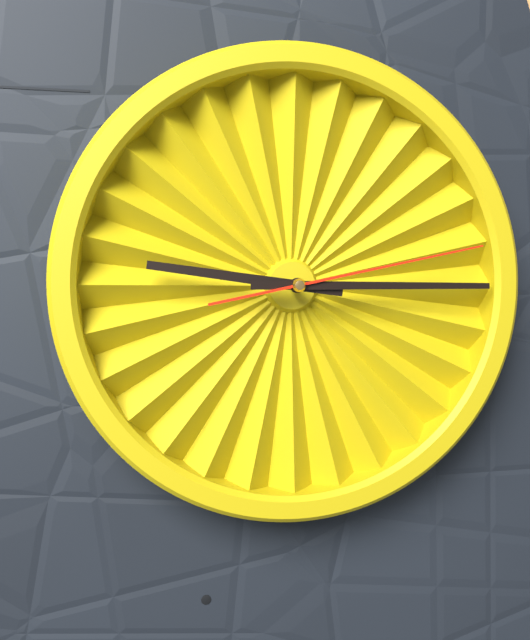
9:15:13
